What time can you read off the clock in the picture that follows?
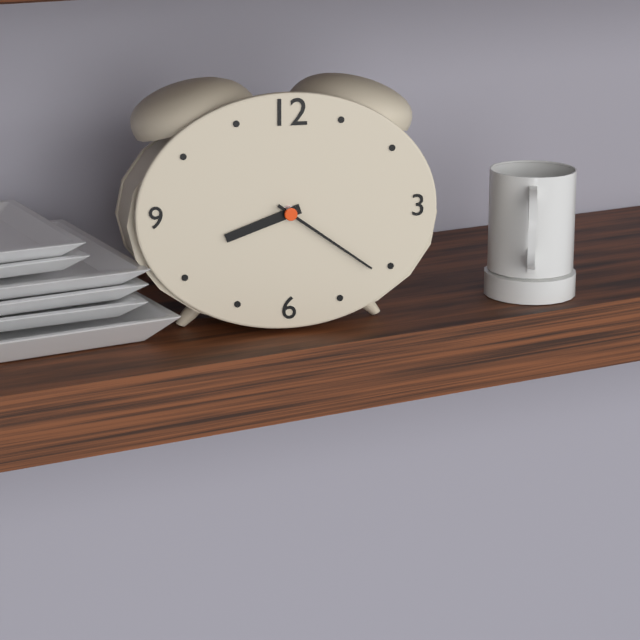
8:21
